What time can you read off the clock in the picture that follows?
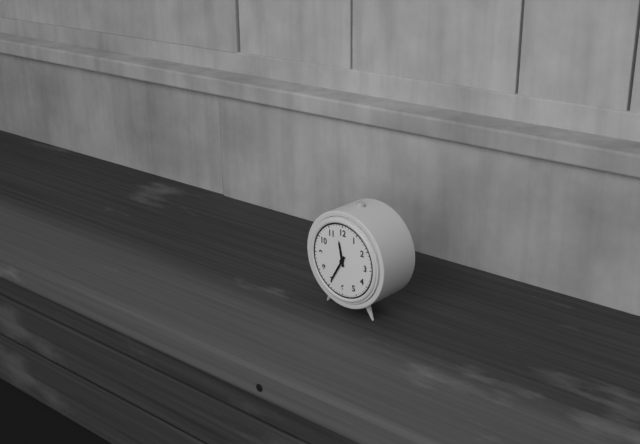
11:35
